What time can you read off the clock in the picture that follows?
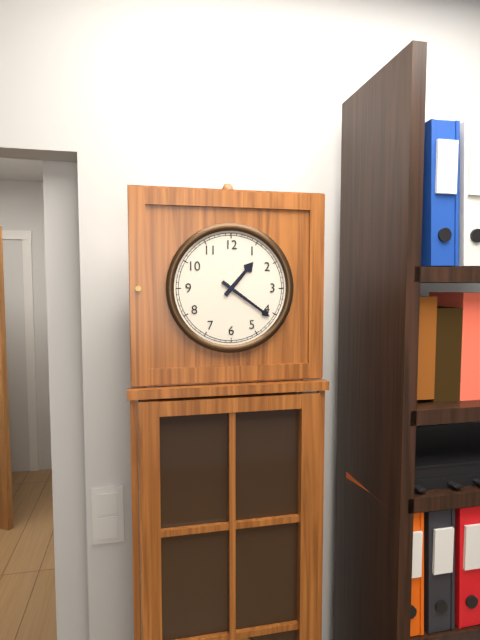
1:21
